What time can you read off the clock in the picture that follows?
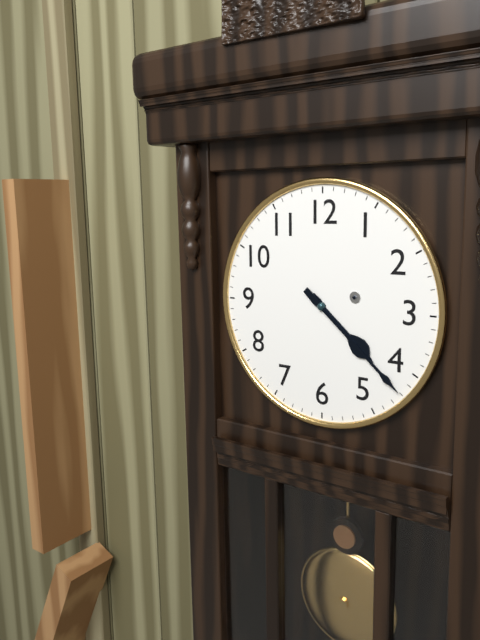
4:22
